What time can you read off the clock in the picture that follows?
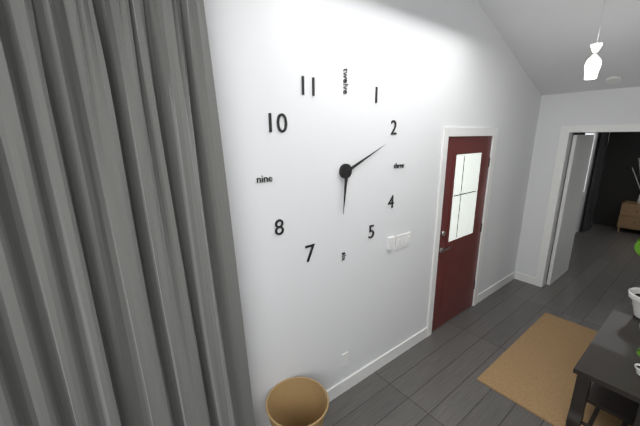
6:11
